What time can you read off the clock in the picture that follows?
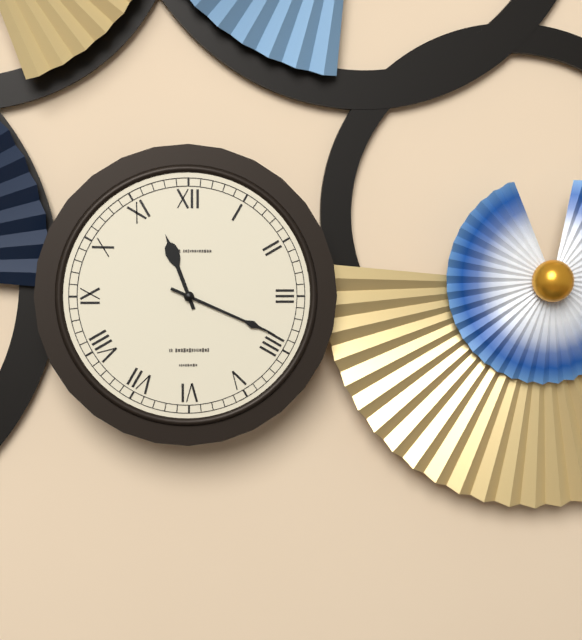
11:19
